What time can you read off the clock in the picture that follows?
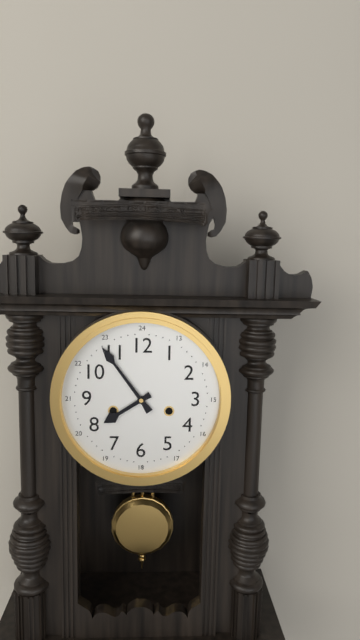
7:54
